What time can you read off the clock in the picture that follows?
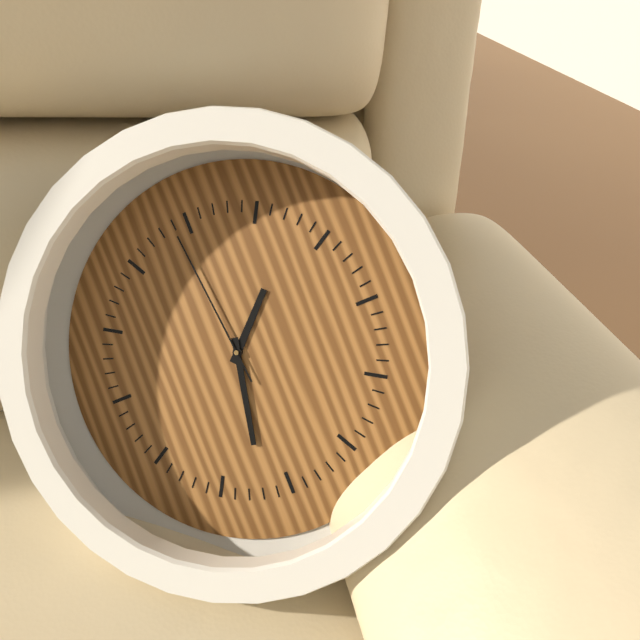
1:32:59
